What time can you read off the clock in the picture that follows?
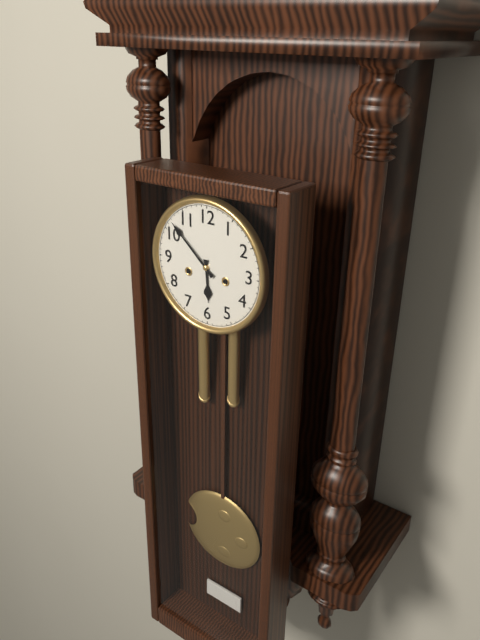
5:52
